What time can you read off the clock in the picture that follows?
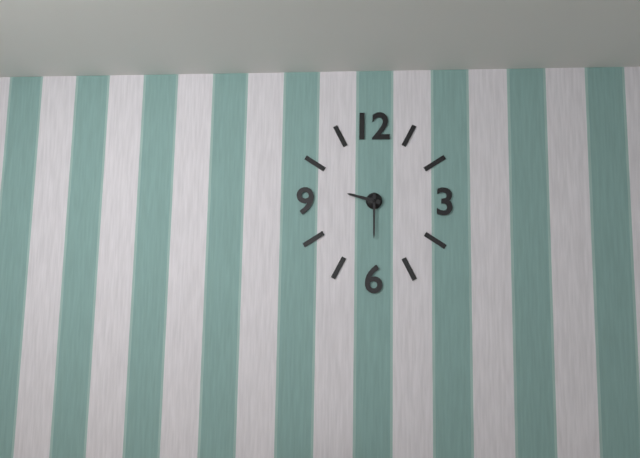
9:30
